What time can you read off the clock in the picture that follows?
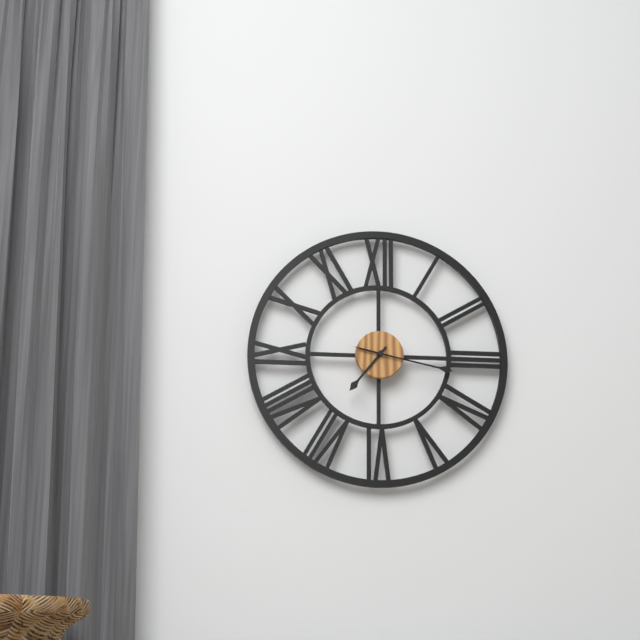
7:17
